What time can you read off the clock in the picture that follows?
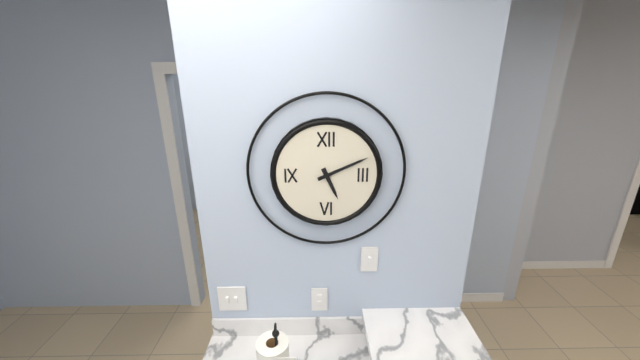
5:11
